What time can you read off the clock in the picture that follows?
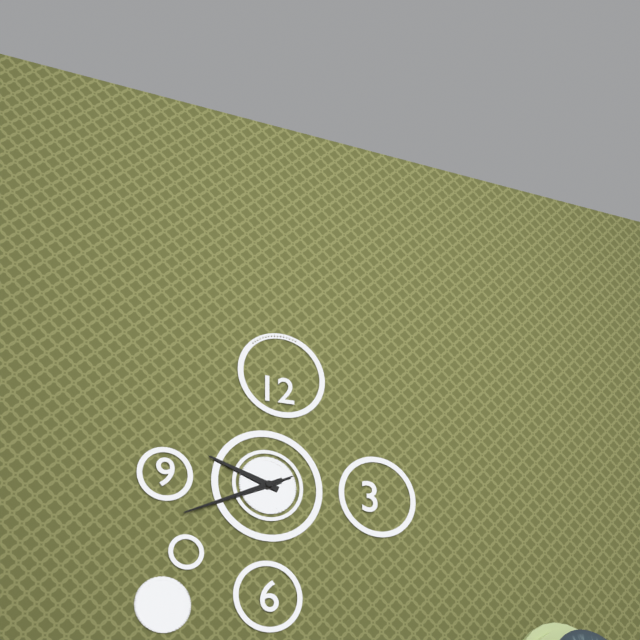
9:41:41
